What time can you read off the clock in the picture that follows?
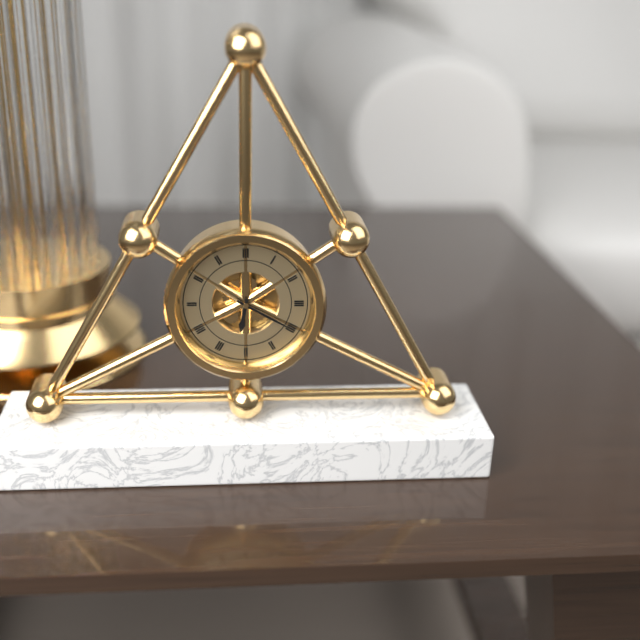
6:20
